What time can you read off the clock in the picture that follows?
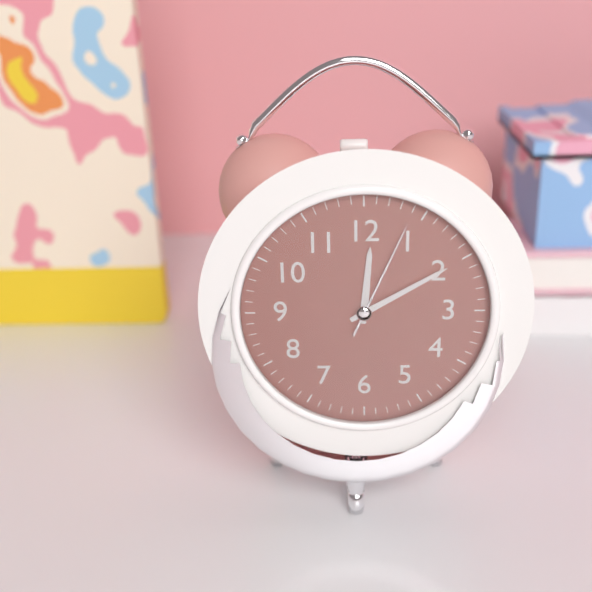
12:10:04
